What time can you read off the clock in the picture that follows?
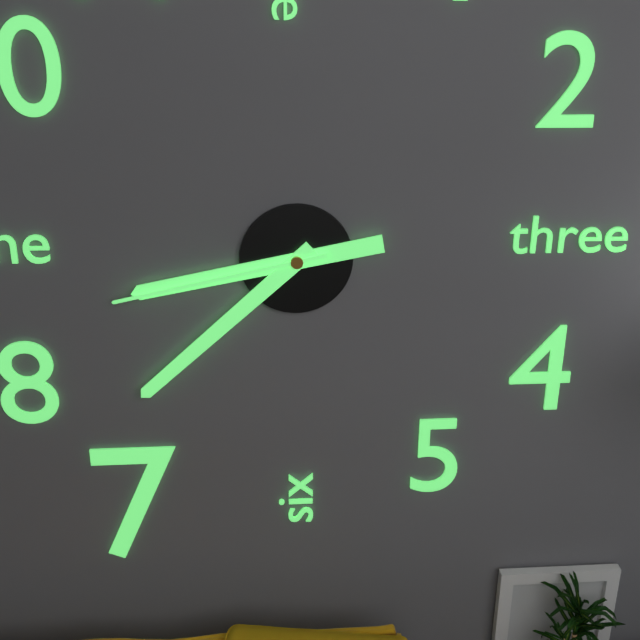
8:38:43
